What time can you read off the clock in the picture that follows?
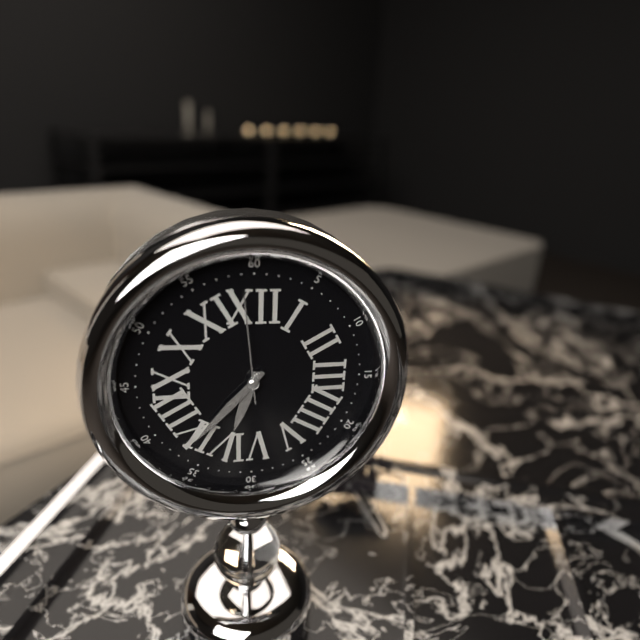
6:37:59
